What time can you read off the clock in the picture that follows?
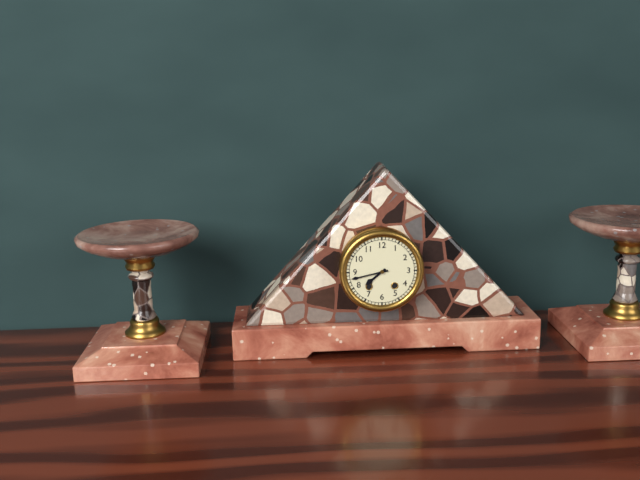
7:43
